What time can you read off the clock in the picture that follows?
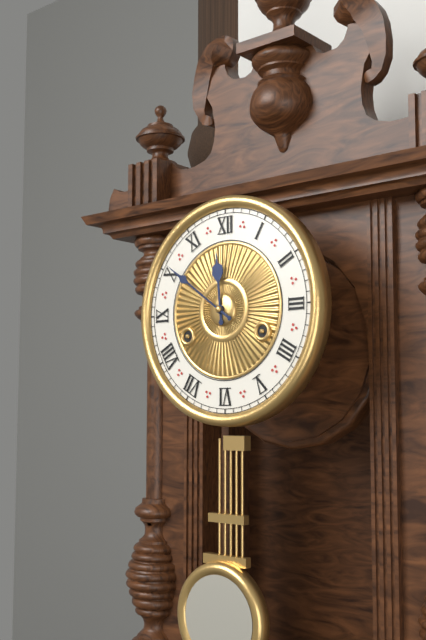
11:51
